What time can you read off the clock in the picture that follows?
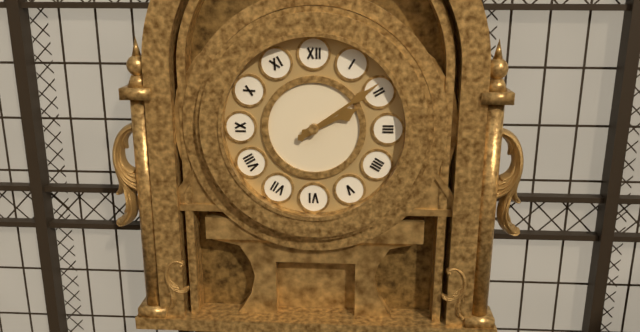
2:09
